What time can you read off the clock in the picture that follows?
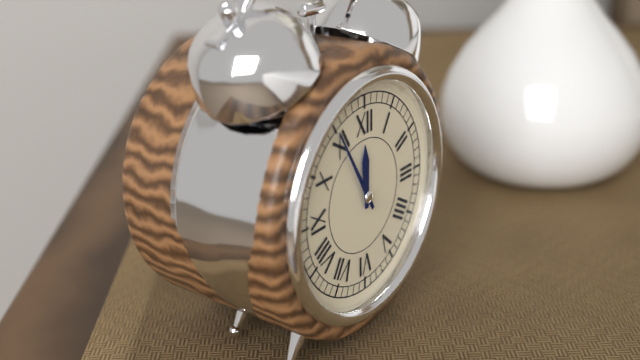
11:55
